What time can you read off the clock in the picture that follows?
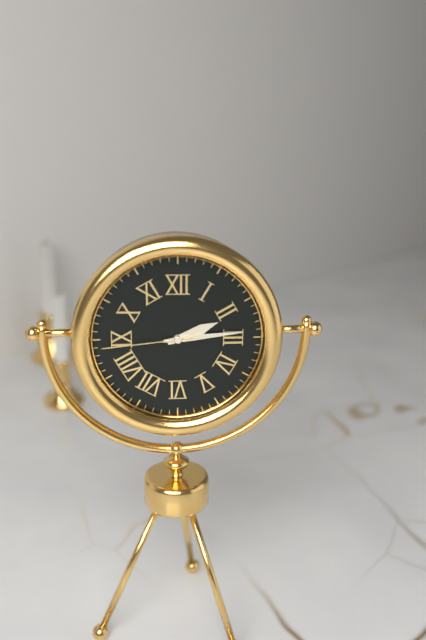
2:14:44
